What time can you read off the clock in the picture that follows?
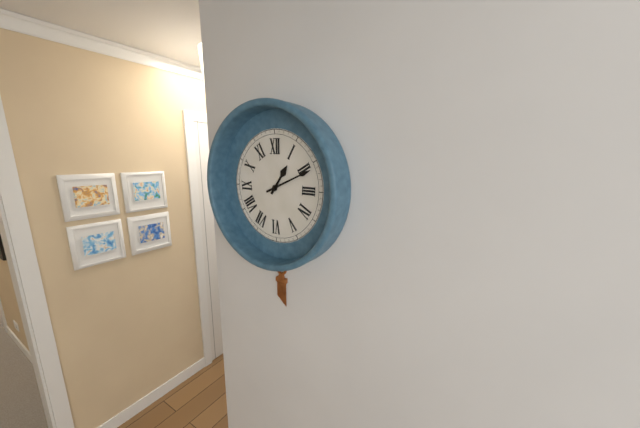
1:11
